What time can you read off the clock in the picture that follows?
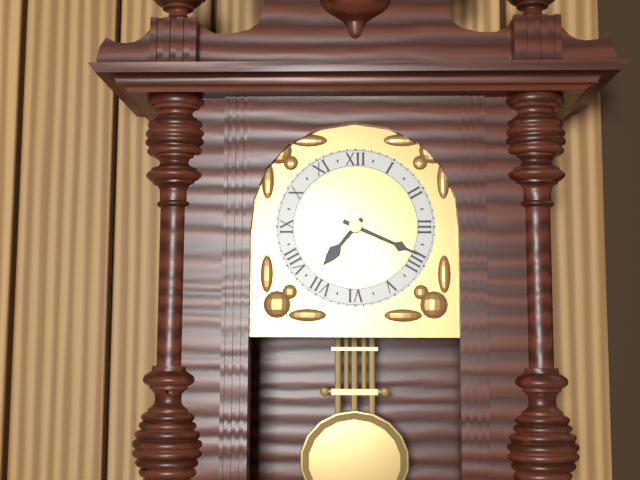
7:19
